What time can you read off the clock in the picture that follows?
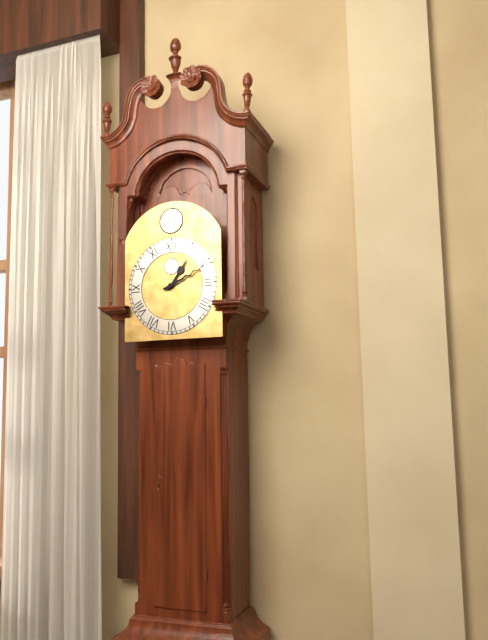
1:11
